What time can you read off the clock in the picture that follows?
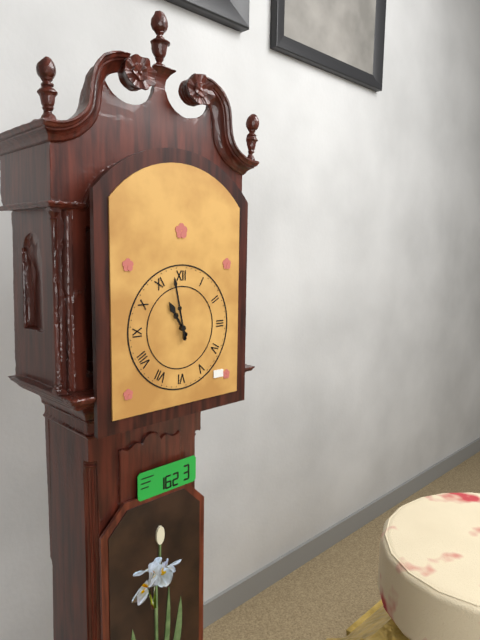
10:58
